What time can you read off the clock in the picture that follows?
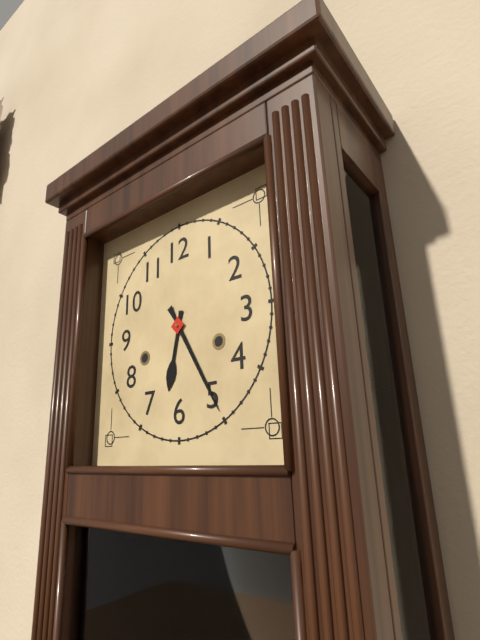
6:25
